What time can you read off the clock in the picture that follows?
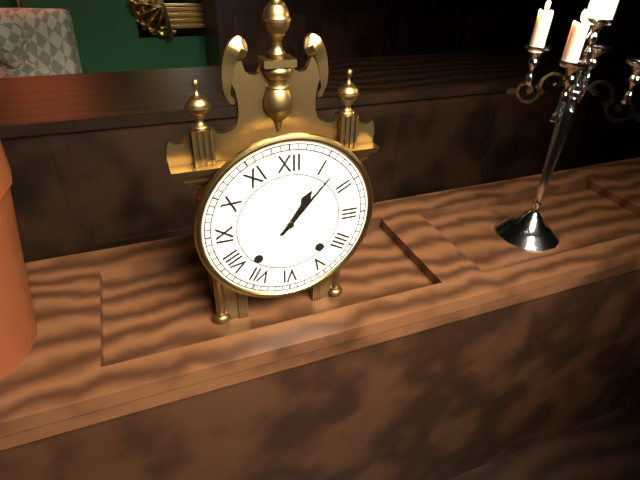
1:07
